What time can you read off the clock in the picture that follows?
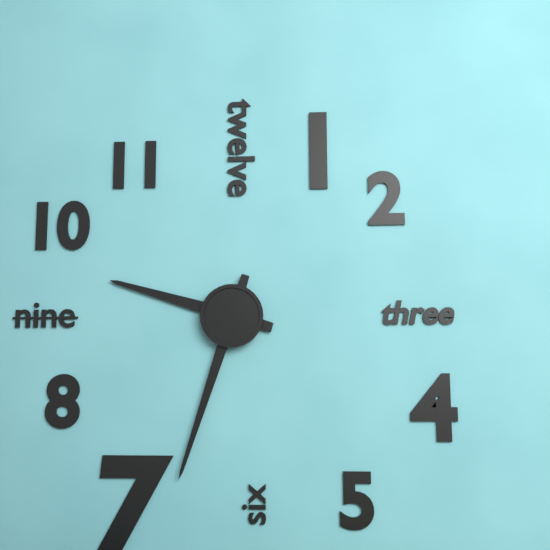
9:33
